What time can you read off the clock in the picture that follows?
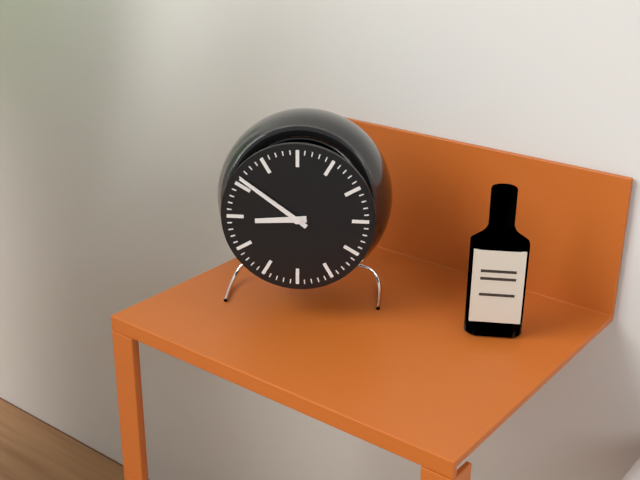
8:51
